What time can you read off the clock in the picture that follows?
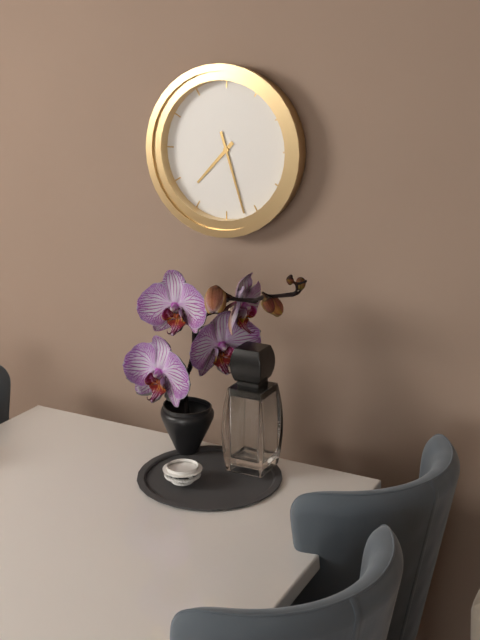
7:27
